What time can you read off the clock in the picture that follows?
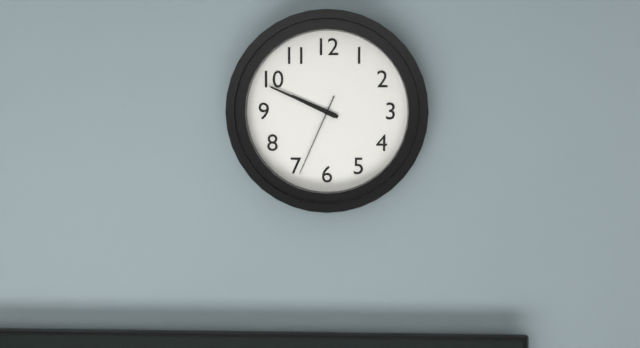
9:49:34
